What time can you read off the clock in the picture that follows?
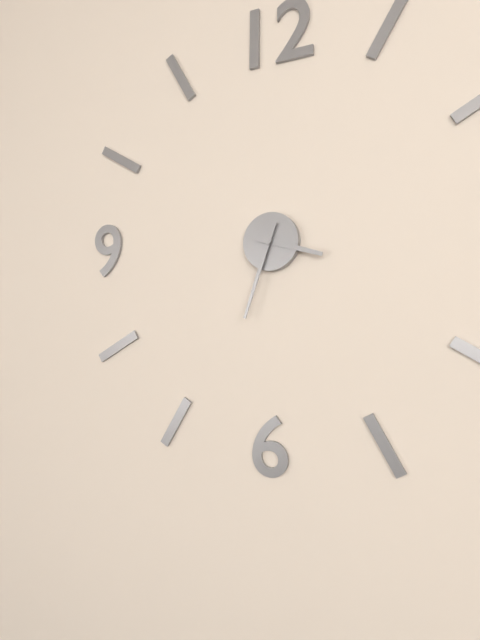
3:33
